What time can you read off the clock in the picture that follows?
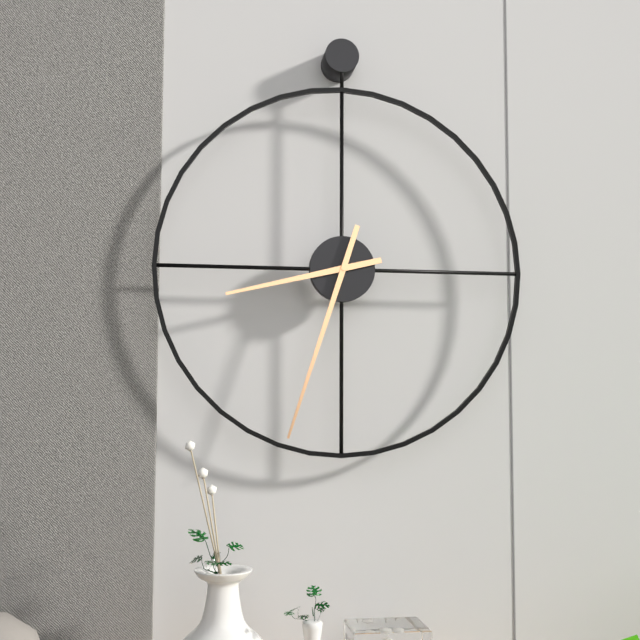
8:33
